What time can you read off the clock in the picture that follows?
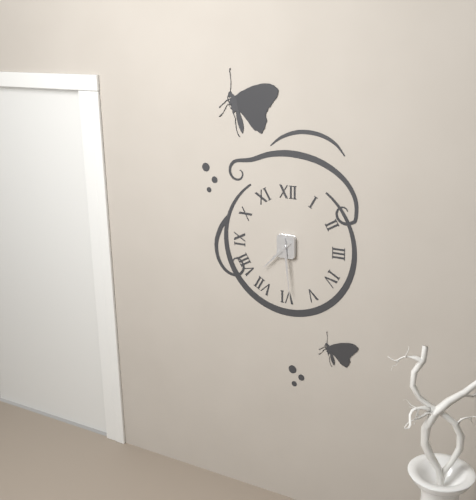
7:29
